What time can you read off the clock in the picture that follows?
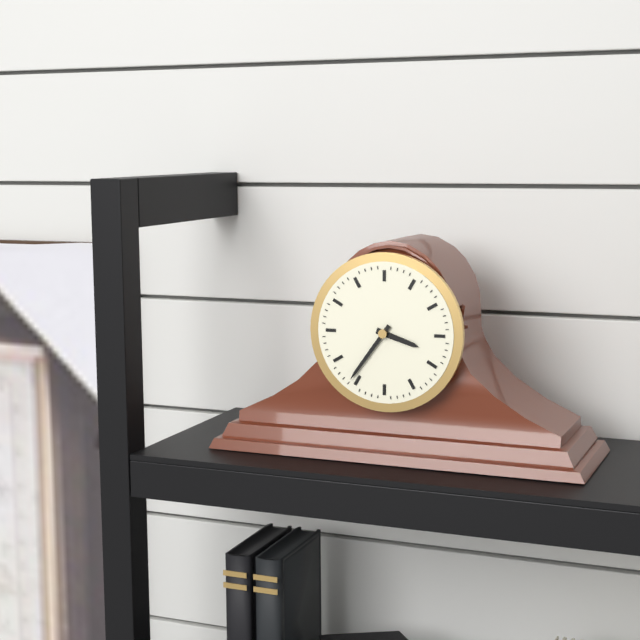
3:36
